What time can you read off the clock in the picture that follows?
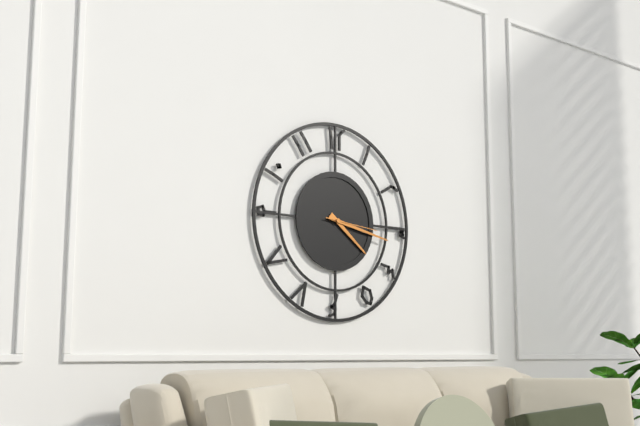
4:17:16
